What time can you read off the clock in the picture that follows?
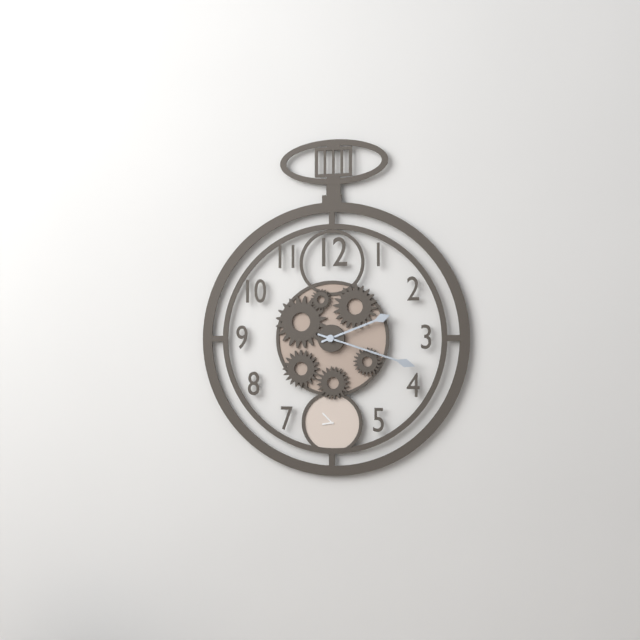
2:18
